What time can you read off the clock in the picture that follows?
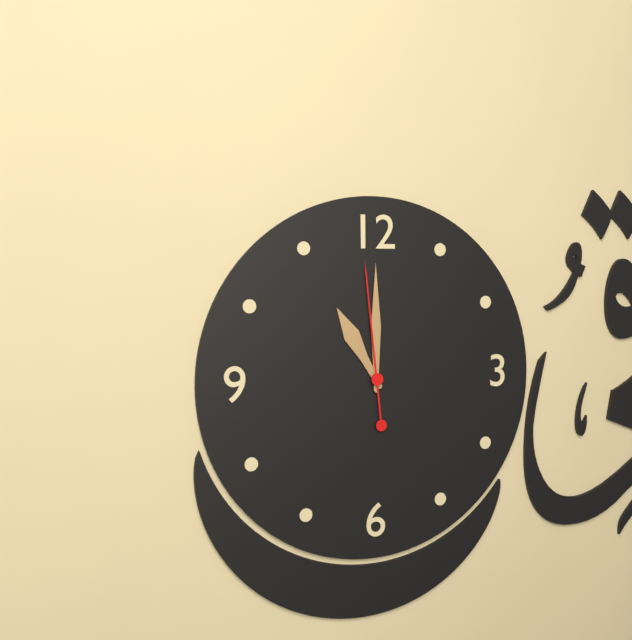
11:00:59
